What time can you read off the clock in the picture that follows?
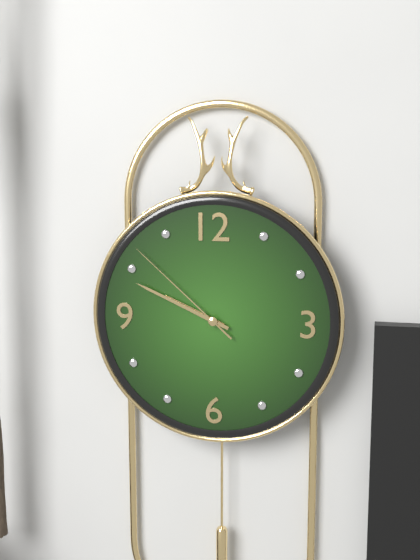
9:49:52
